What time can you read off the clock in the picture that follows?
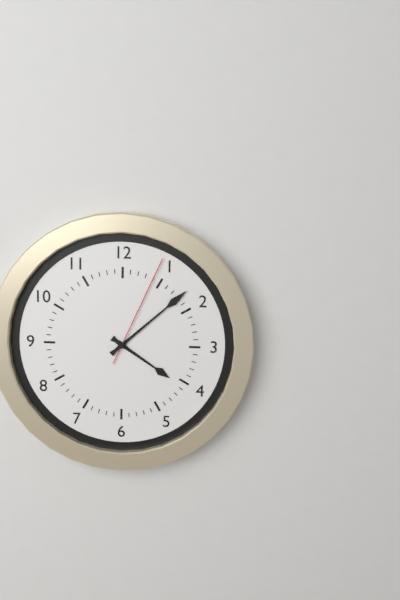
4:08:04
